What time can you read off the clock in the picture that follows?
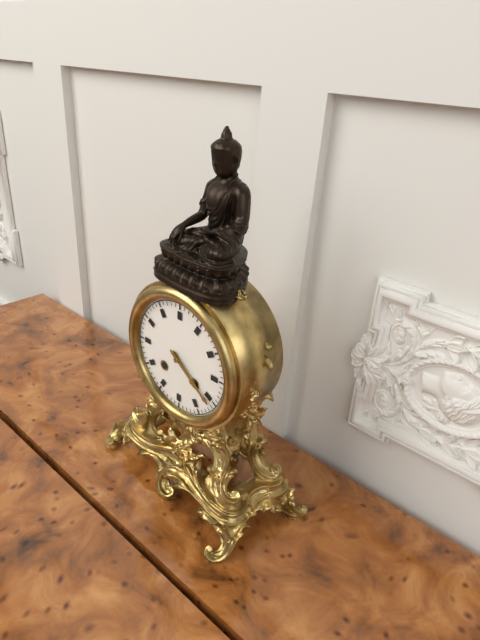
4:21
